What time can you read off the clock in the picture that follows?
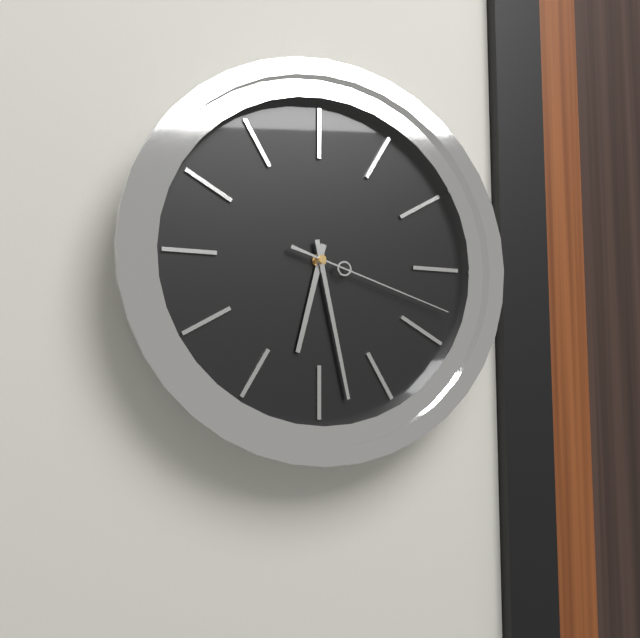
6:28:18
